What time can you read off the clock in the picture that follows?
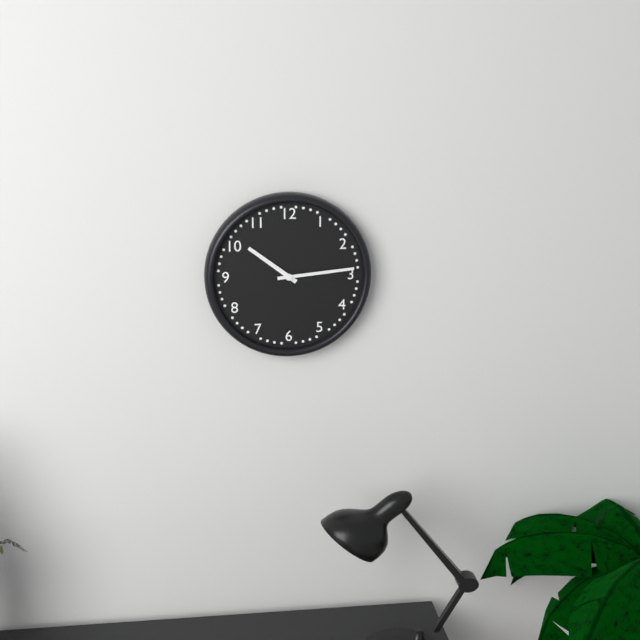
10:14
